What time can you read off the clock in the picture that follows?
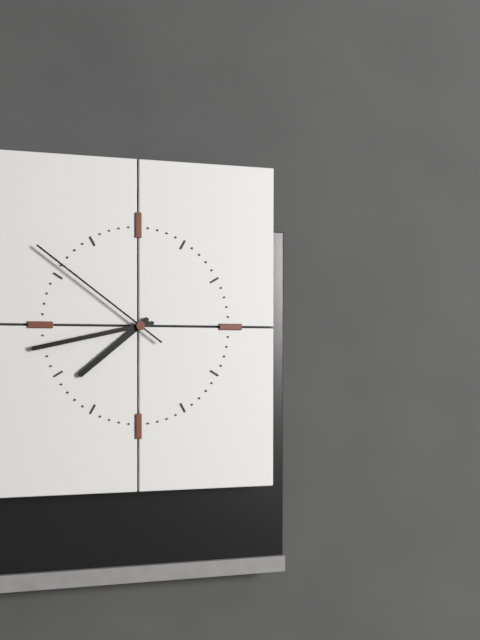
7:43:51
